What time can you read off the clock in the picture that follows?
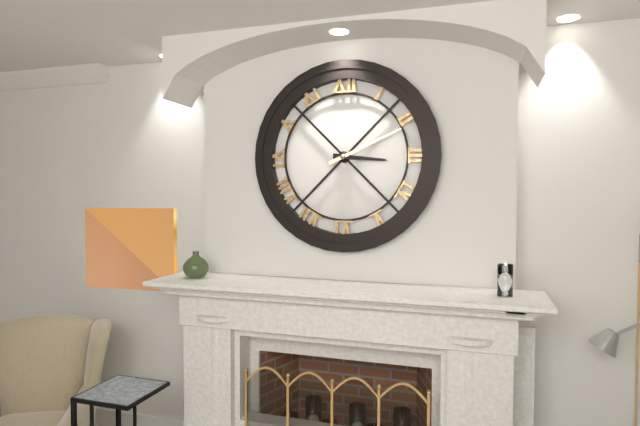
3:11
